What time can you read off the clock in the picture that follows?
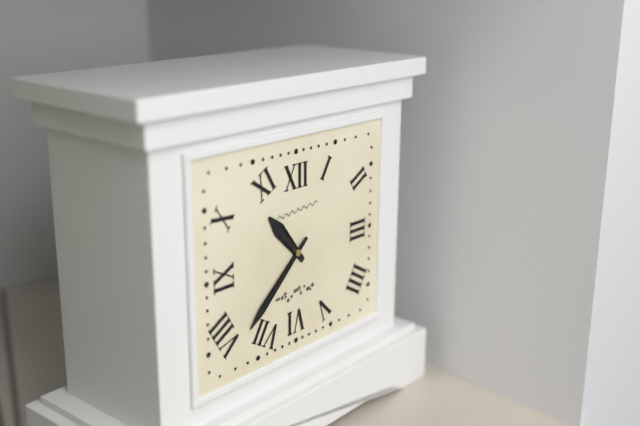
10:38
